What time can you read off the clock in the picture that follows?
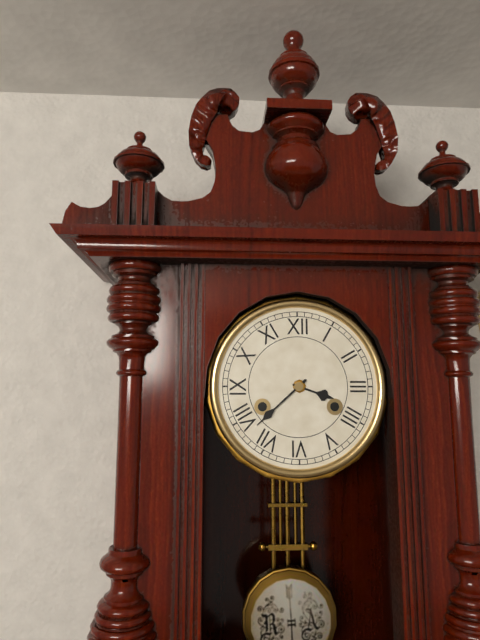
3:38
